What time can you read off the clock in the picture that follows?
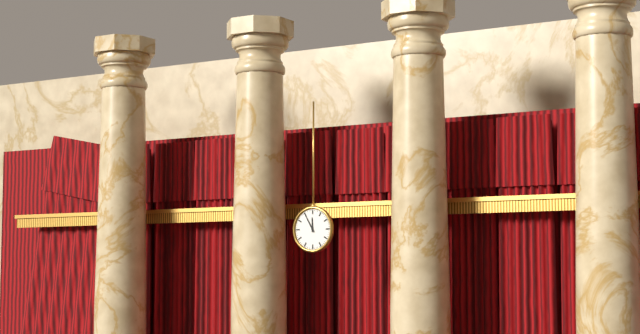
11:55
